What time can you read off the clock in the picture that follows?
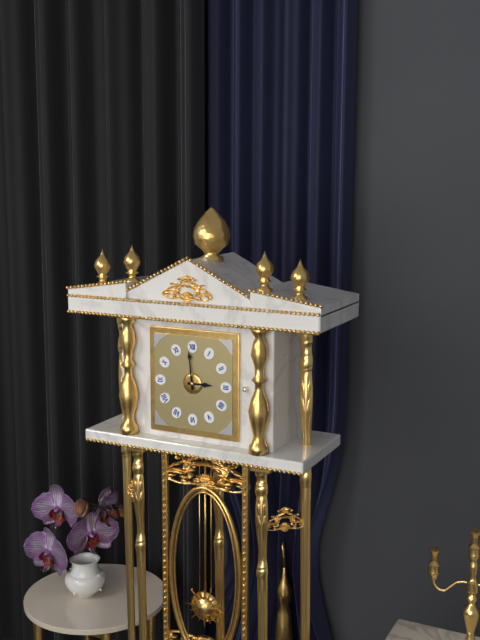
2:59
